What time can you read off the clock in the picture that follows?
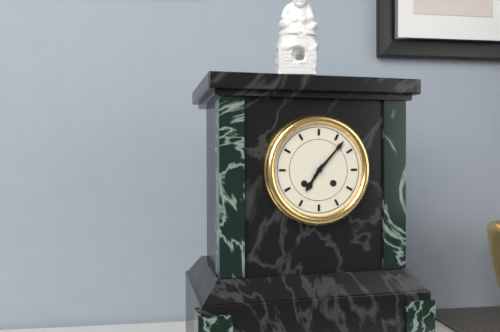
7:07
